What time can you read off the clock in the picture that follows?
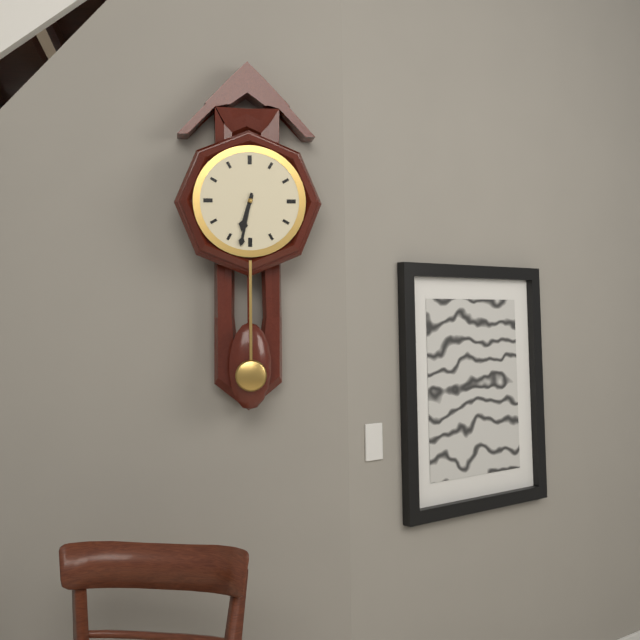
6:32
